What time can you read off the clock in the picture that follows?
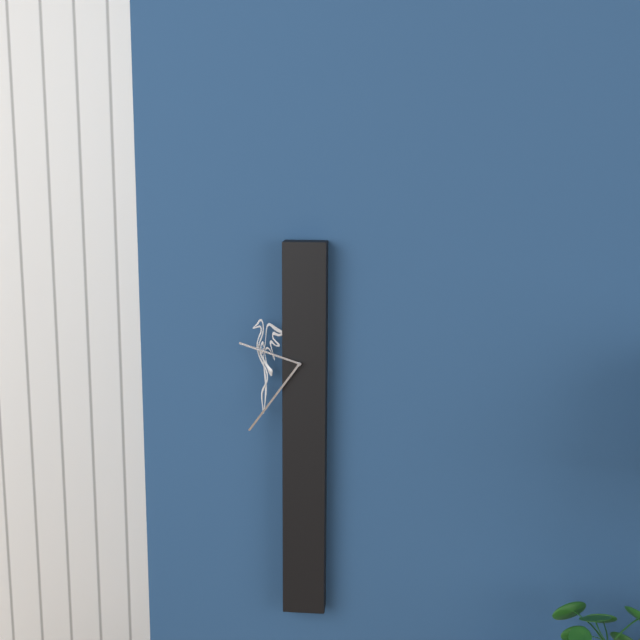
9:36
